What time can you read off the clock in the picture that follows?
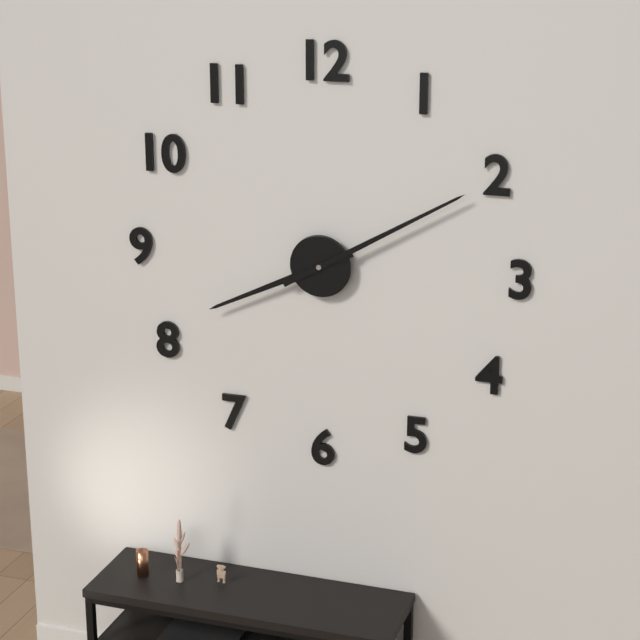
8:10
